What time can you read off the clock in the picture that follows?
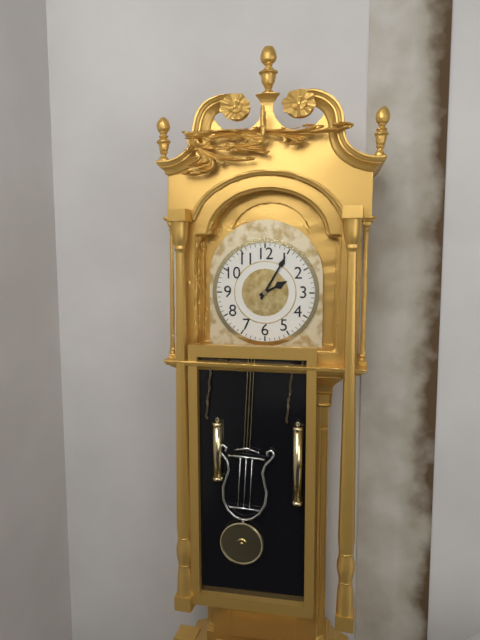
2:05
